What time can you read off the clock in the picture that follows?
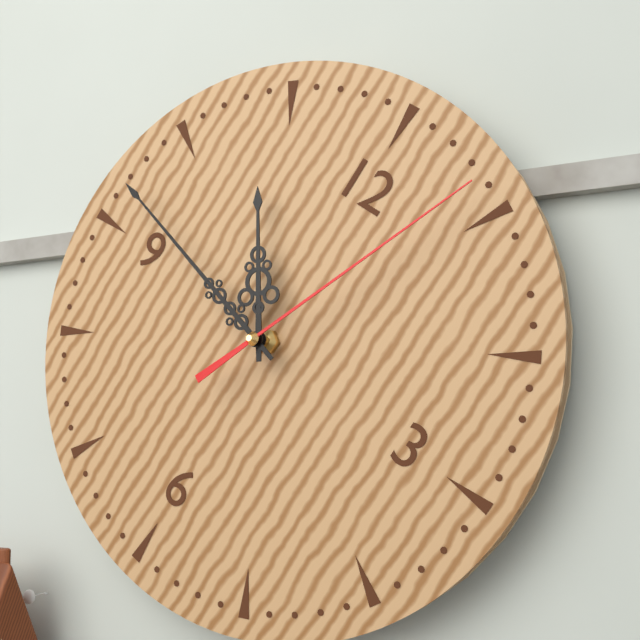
10:47:04
